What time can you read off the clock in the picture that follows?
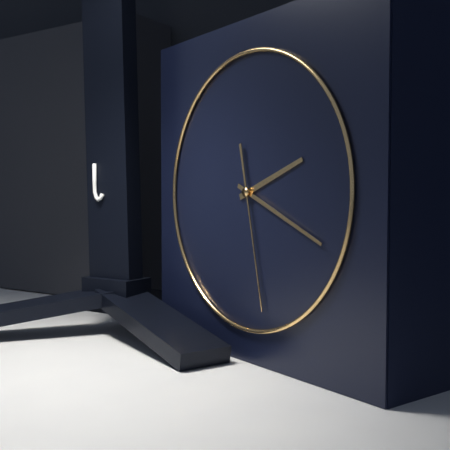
2:19:28
